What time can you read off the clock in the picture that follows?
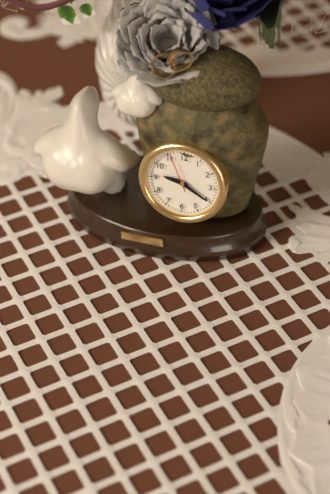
9:20
